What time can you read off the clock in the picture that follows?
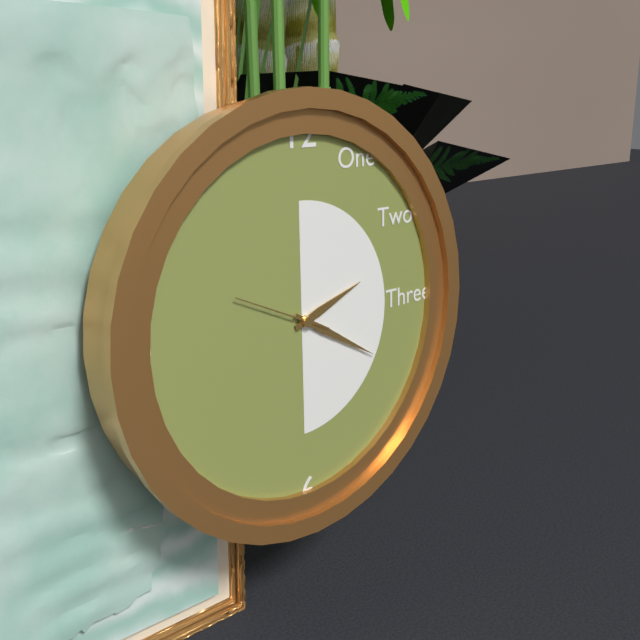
2:20:49
